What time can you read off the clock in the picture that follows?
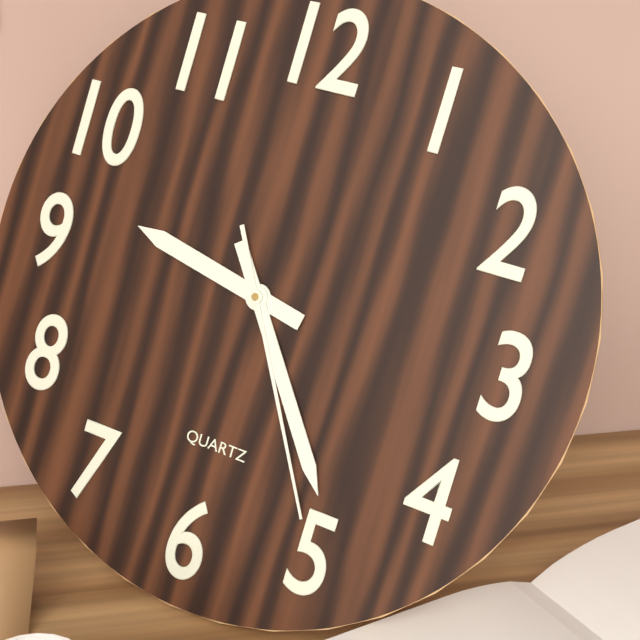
9:24:25
